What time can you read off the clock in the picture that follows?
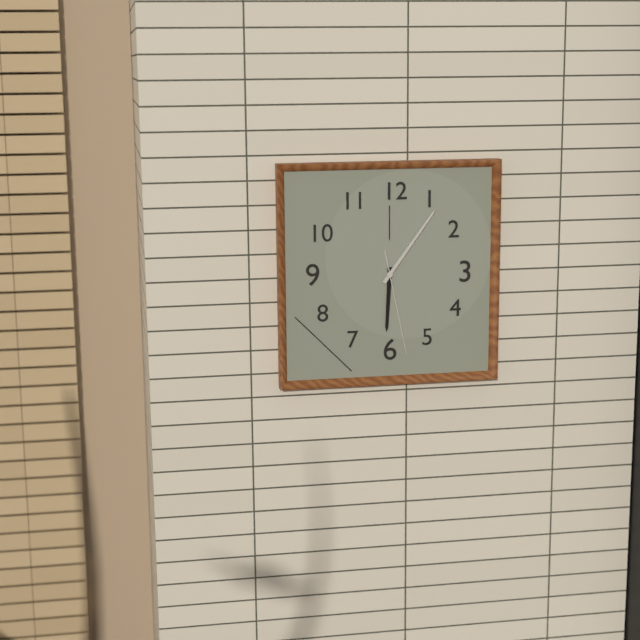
6:06:28
